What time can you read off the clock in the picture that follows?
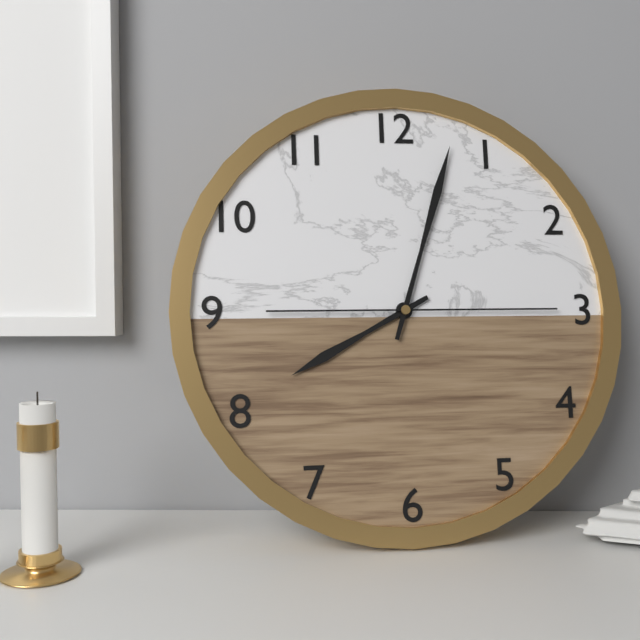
8:03:15
